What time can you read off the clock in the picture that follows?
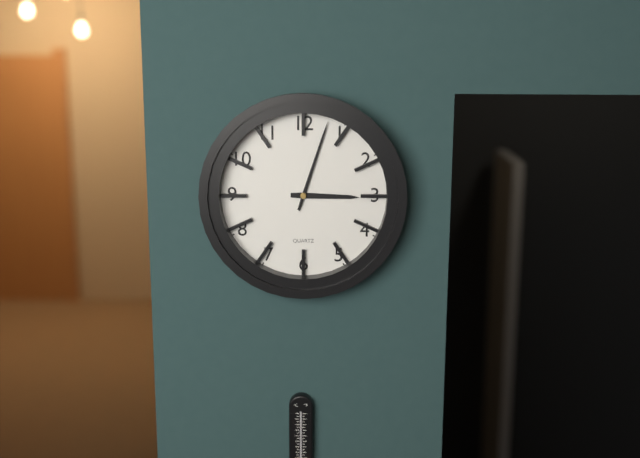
3:03
